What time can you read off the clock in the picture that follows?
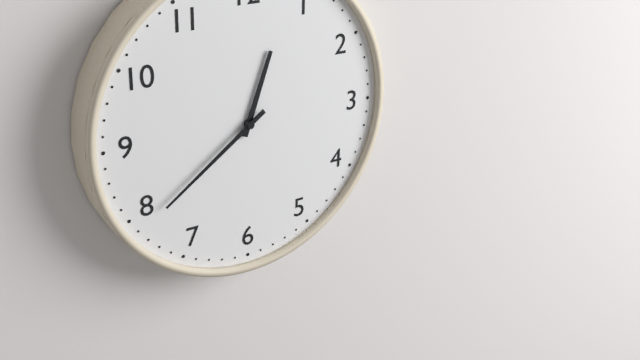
12:39
